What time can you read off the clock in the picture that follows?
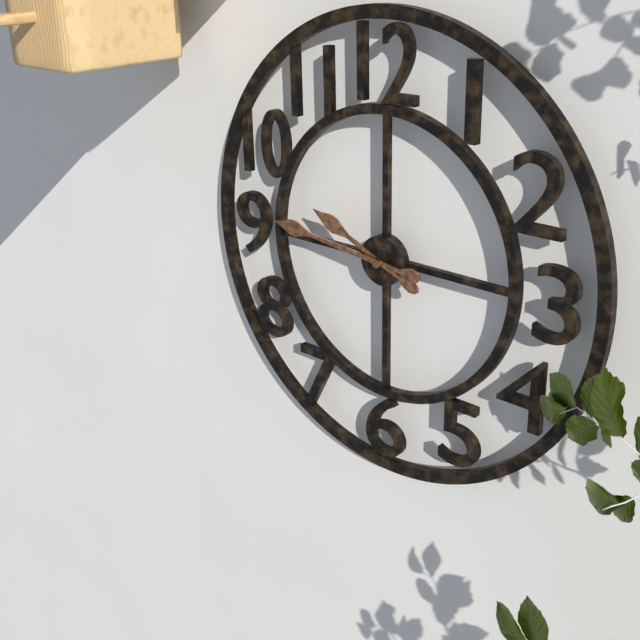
9:46
